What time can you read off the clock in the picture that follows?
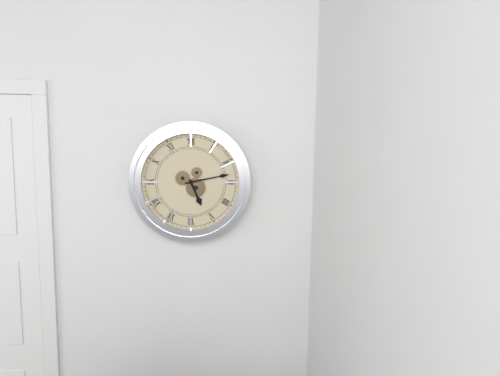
5:13
